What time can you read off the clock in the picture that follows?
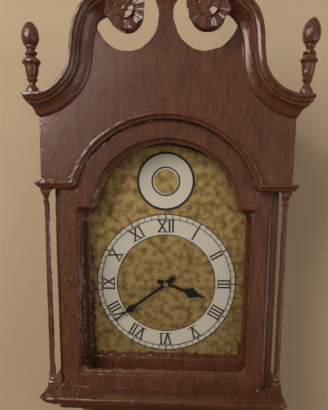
3:39
